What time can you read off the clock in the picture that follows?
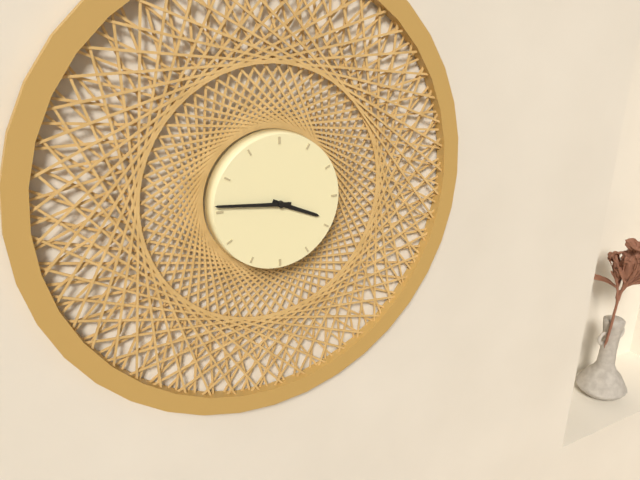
3:46
